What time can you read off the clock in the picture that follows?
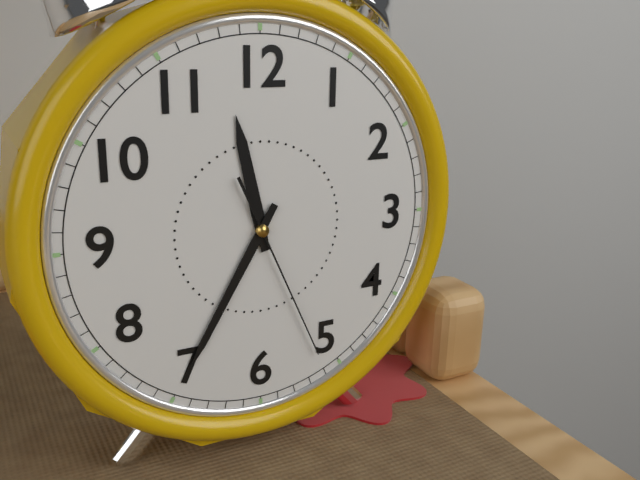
11:35:26
